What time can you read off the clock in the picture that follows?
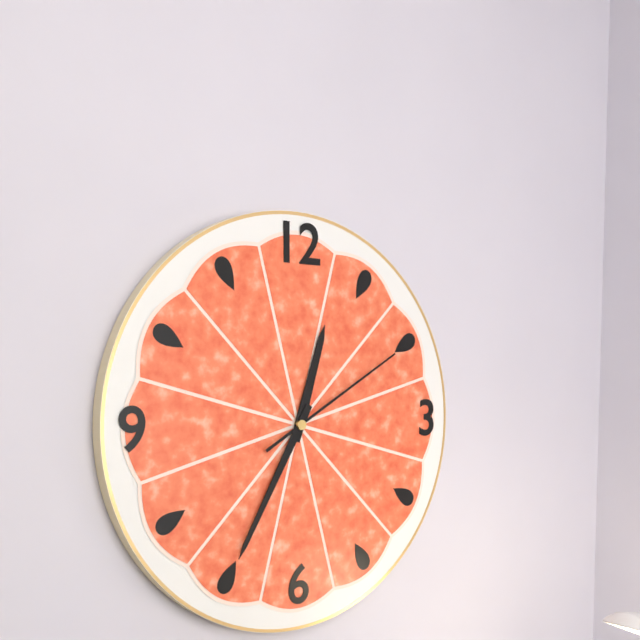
12:35:10
